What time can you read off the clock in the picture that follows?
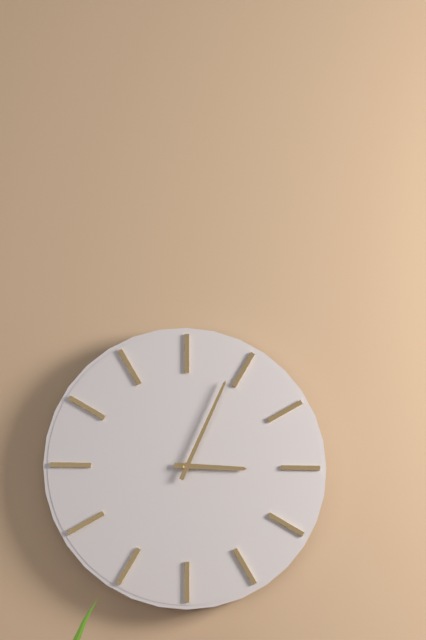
3:04
